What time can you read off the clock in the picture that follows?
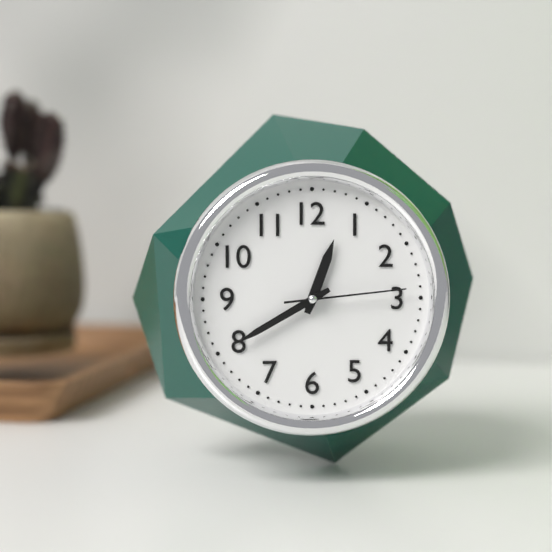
12:40:14
